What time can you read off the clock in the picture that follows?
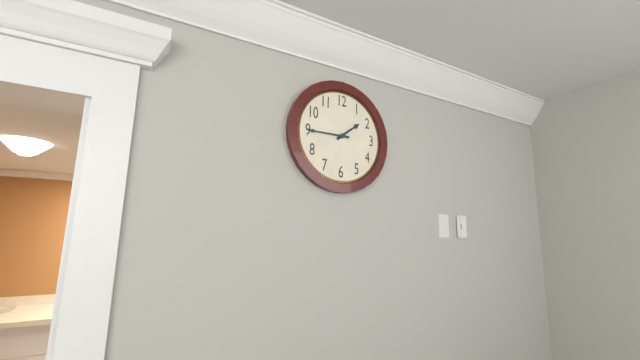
1:45
